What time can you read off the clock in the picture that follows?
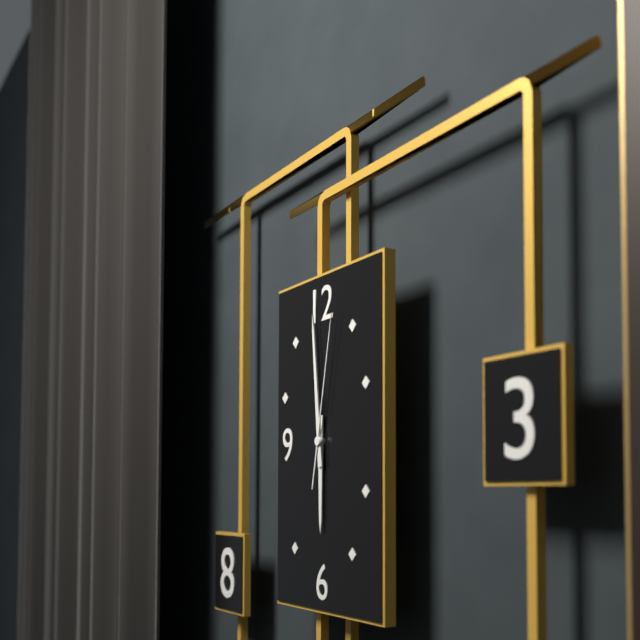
5:59:02
